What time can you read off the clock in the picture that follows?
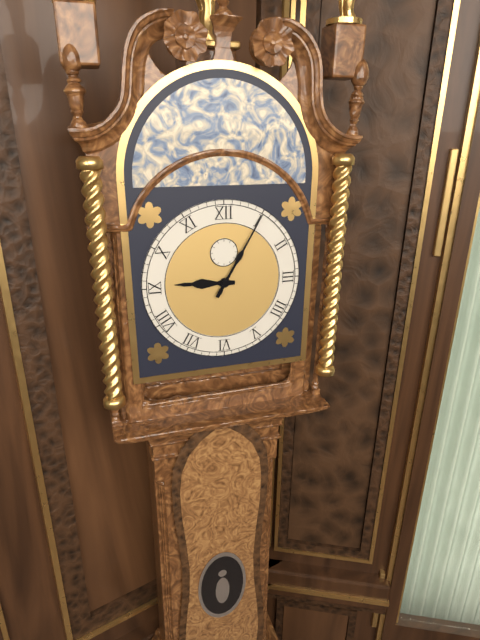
9:05
